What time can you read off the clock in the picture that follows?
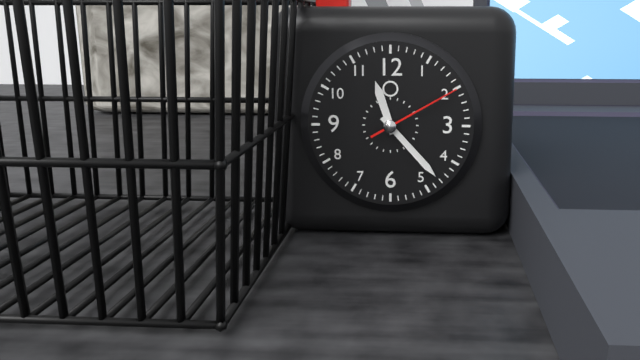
11:23:10
